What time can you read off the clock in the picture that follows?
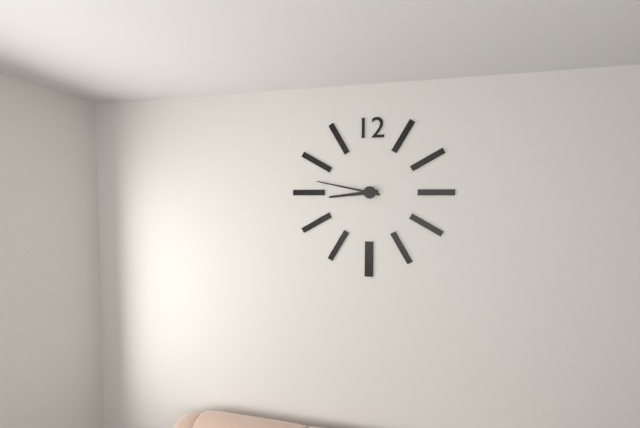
8:47
